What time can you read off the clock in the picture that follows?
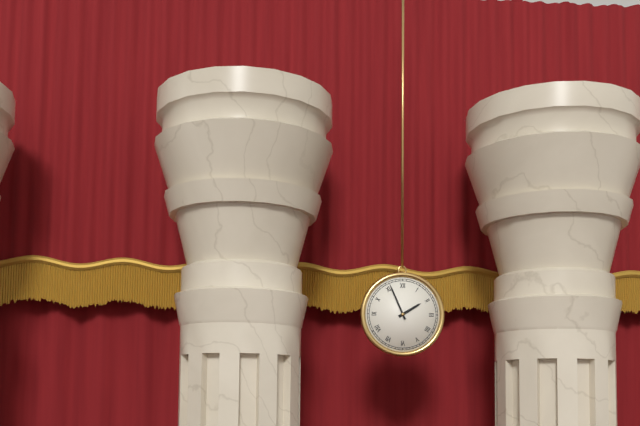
1:56
